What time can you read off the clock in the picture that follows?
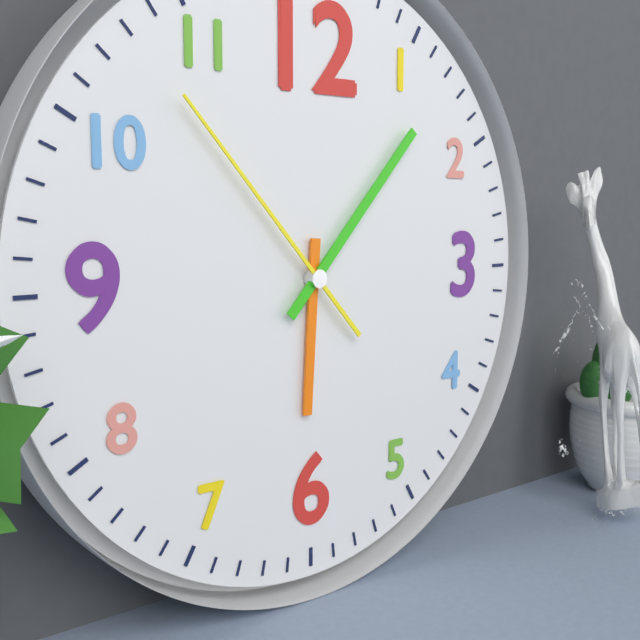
6:07:53
